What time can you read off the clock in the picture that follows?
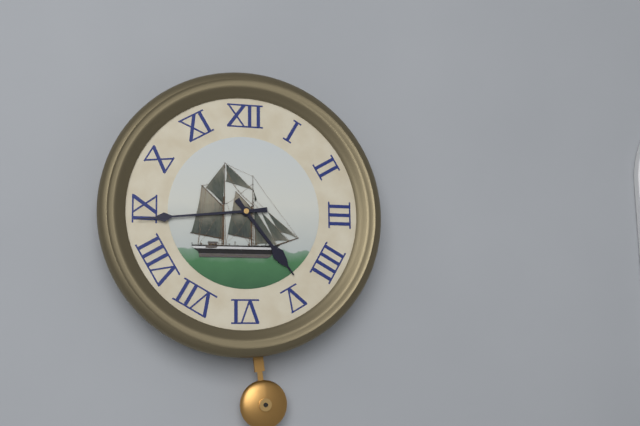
4:44
